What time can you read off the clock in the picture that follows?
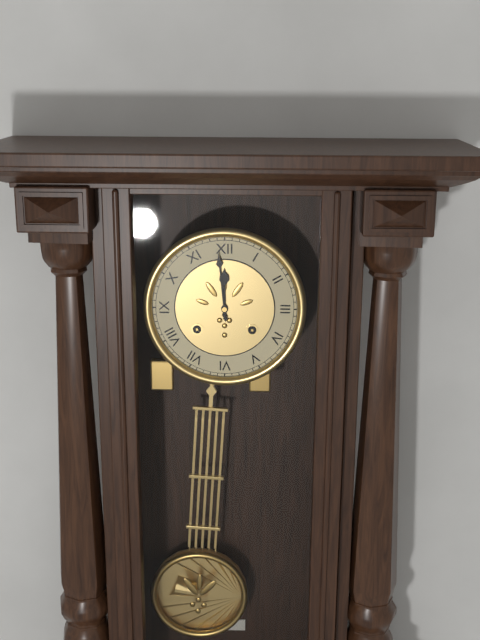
11:59
